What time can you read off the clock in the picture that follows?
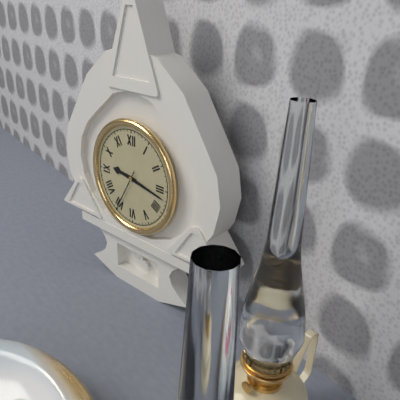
9:17:35
